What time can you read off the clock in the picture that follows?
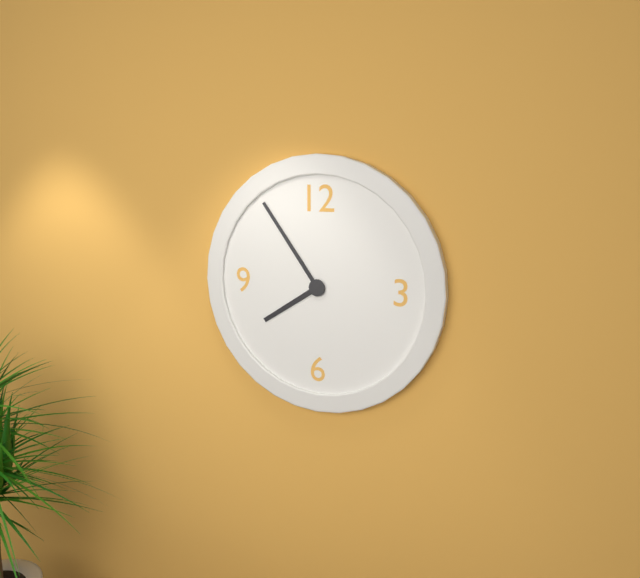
7:54
